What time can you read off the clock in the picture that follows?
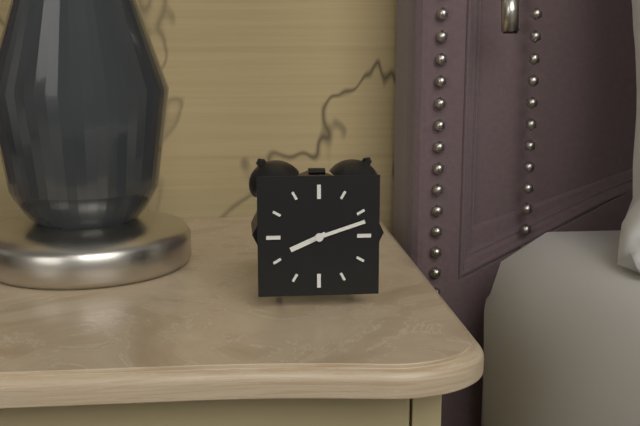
8:12
